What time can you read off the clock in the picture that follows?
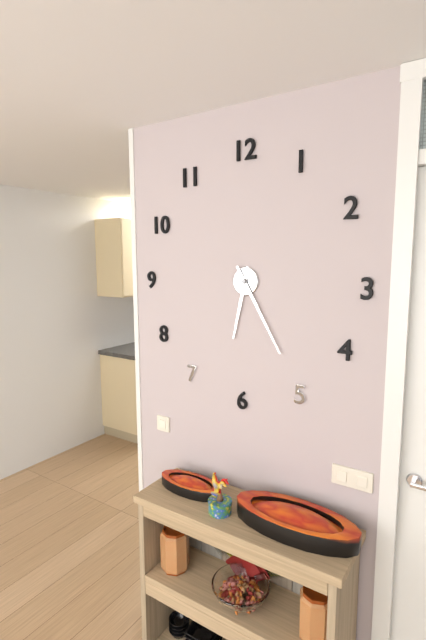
6:25
